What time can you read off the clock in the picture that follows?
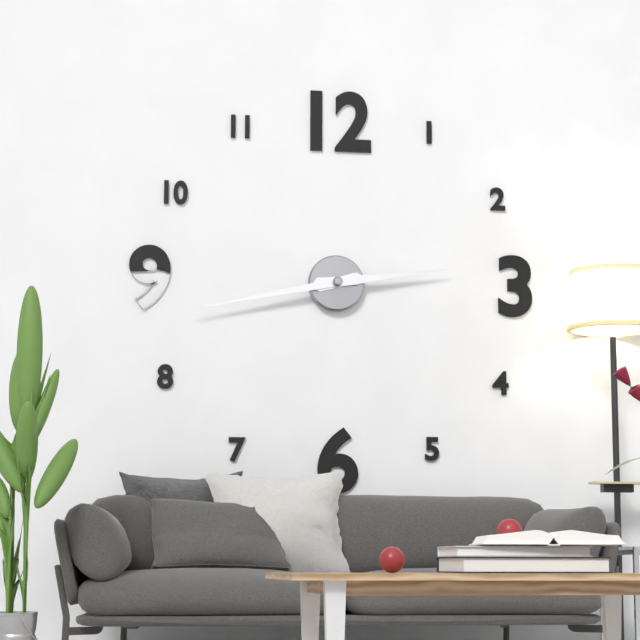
2:43
